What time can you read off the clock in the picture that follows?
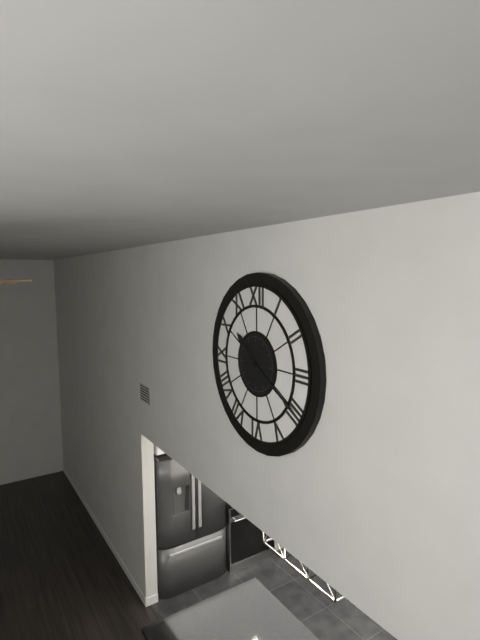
10:20
